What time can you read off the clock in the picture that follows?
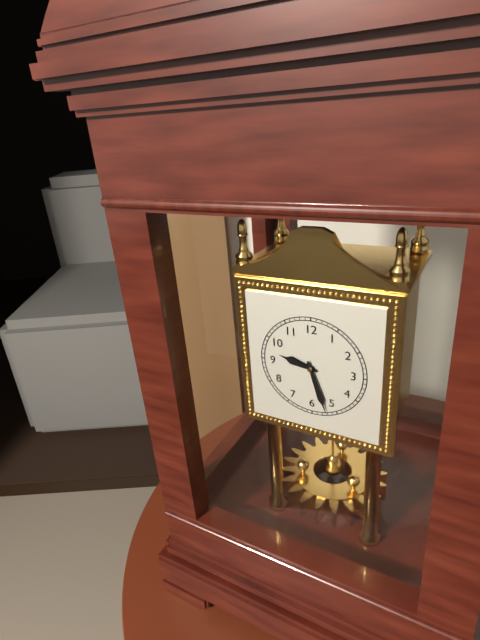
9:27
